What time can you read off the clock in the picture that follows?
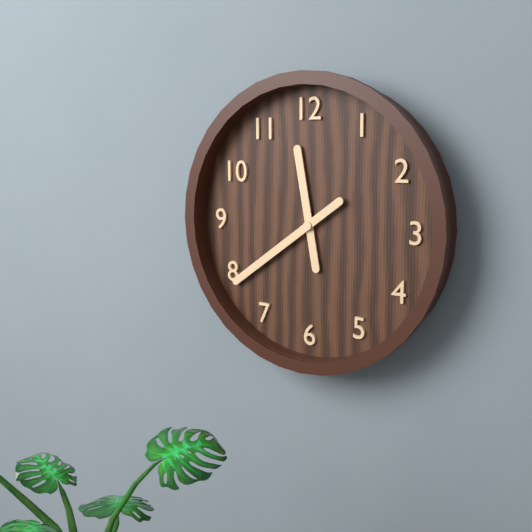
11:39
